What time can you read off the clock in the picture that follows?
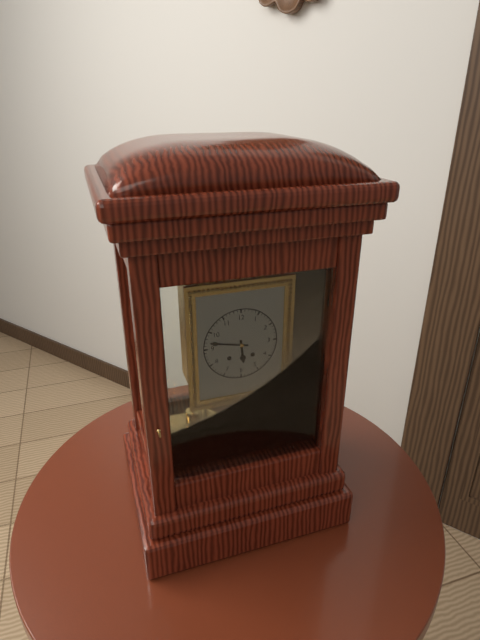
5:47
